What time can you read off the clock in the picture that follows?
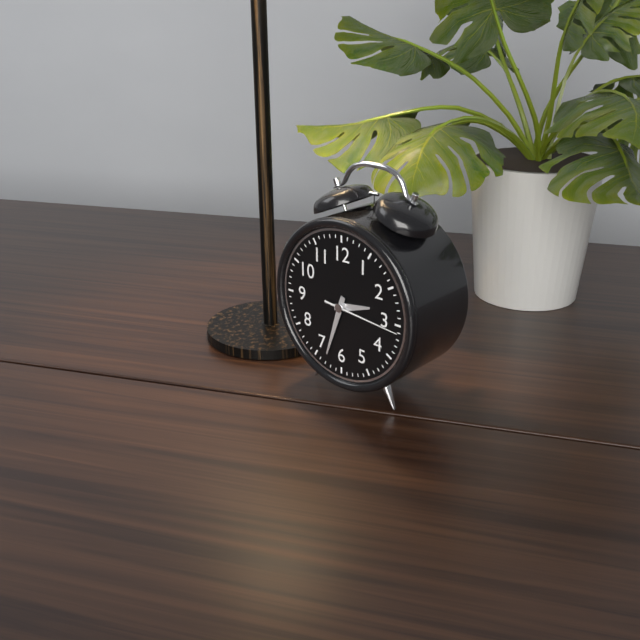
2:33:16
